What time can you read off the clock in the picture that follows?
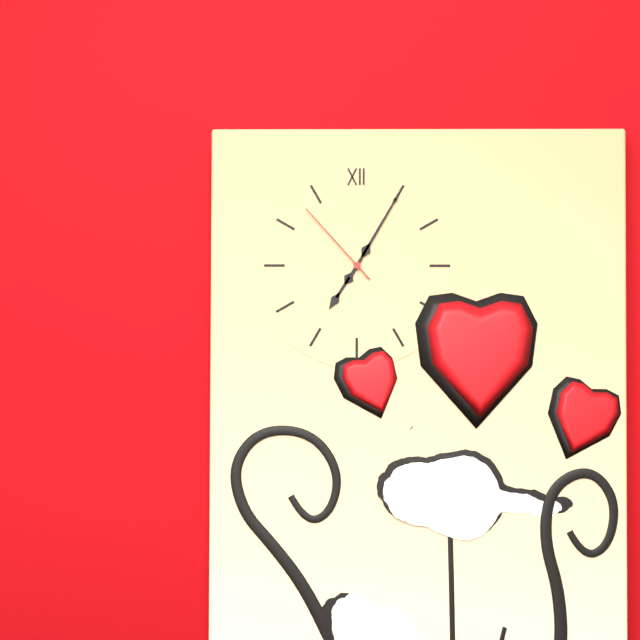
7:05:53
